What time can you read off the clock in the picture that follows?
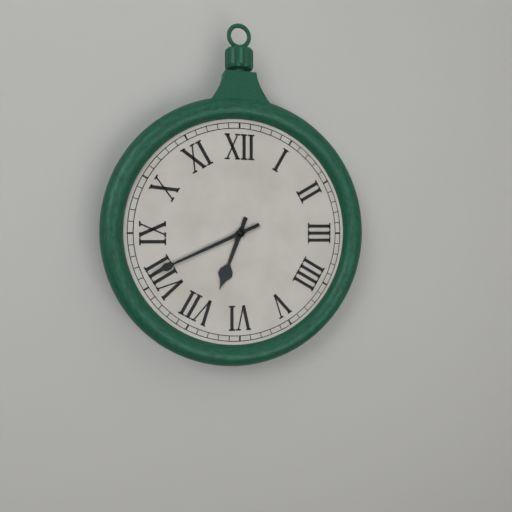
6:41
